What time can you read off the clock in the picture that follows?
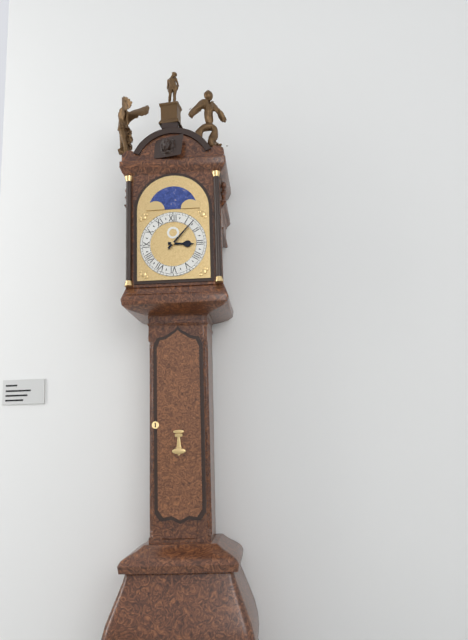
3:07
